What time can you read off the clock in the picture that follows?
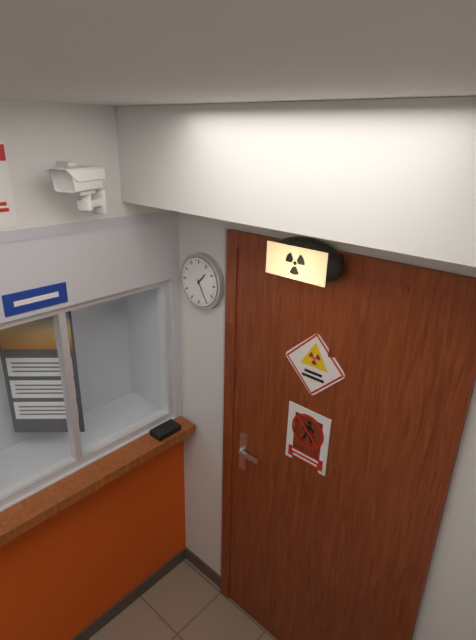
1:25
